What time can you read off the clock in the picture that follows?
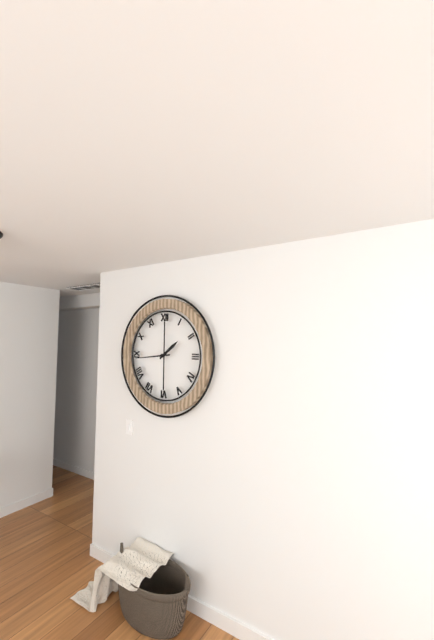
1:44
